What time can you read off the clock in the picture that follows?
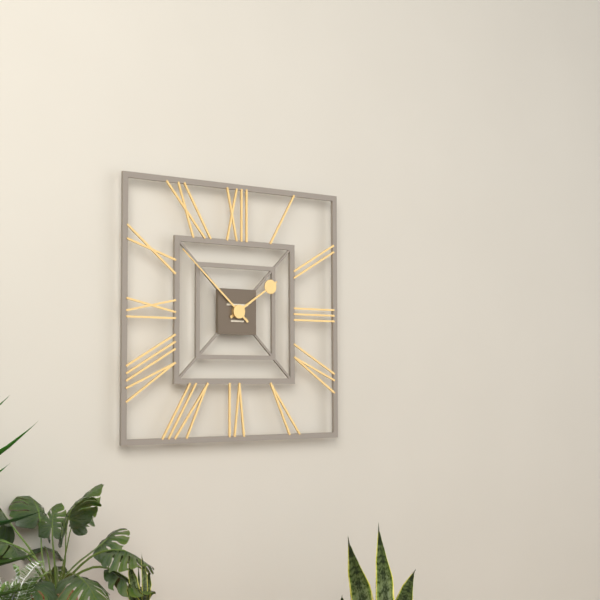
1:52
